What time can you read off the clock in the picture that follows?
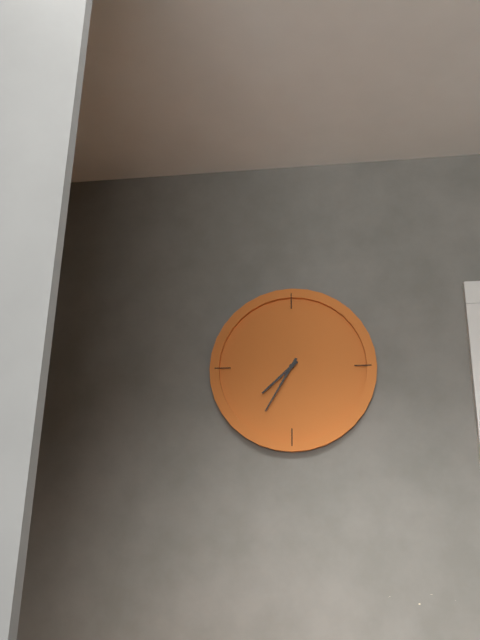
7:35
